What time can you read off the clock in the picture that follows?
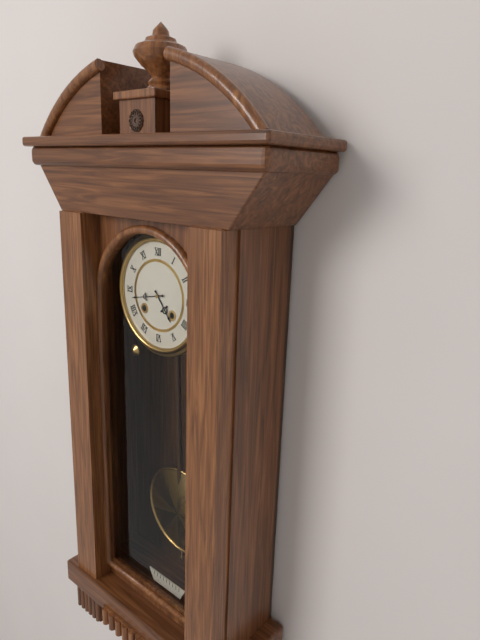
4:43
